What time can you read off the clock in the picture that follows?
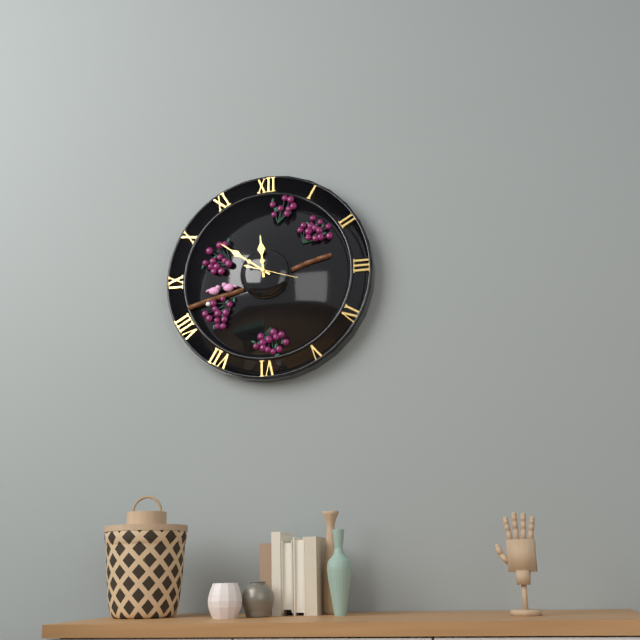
11:51
